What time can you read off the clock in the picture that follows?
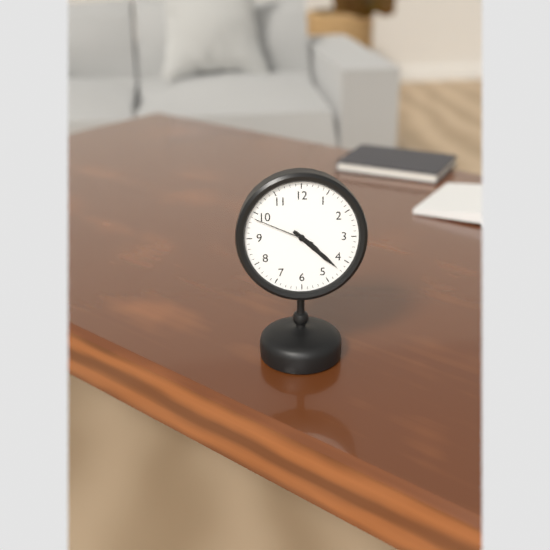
4:22:49
